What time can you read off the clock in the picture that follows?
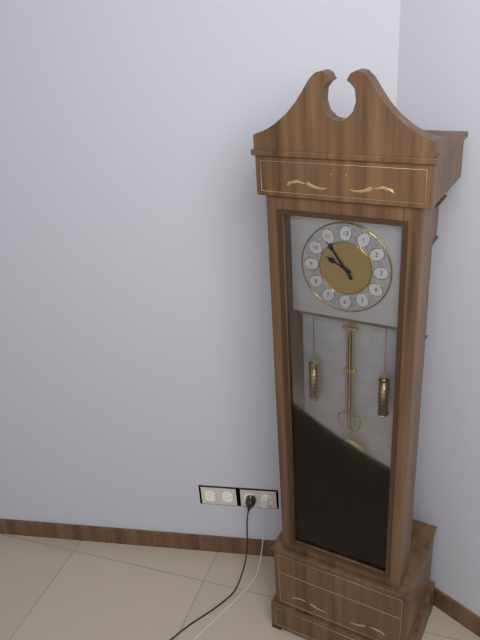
9:54
